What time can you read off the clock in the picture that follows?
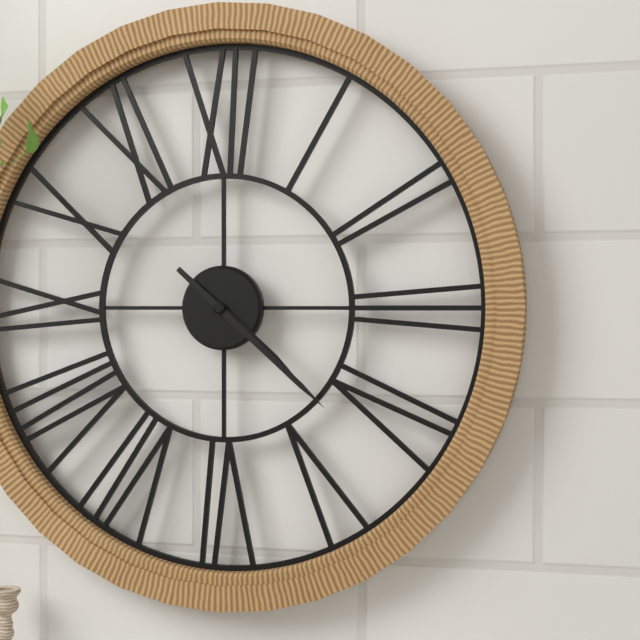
4:22
